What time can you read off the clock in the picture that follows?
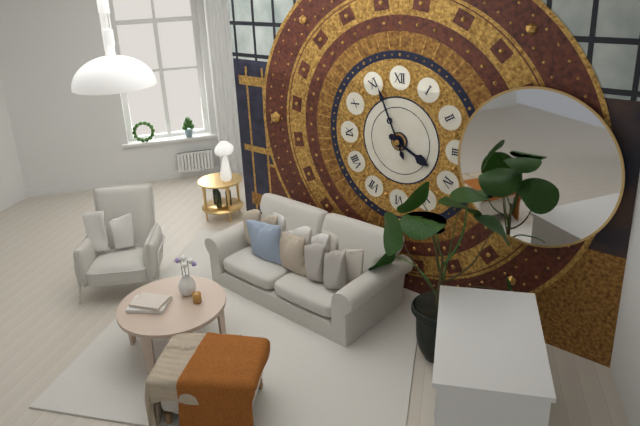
3:56
